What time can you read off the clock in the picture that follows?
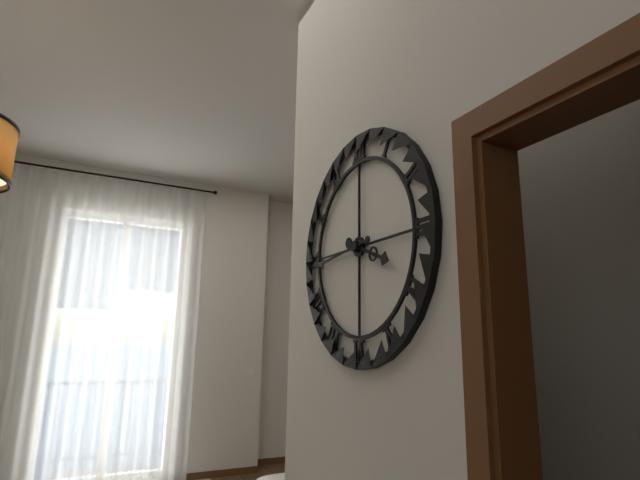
3:44
